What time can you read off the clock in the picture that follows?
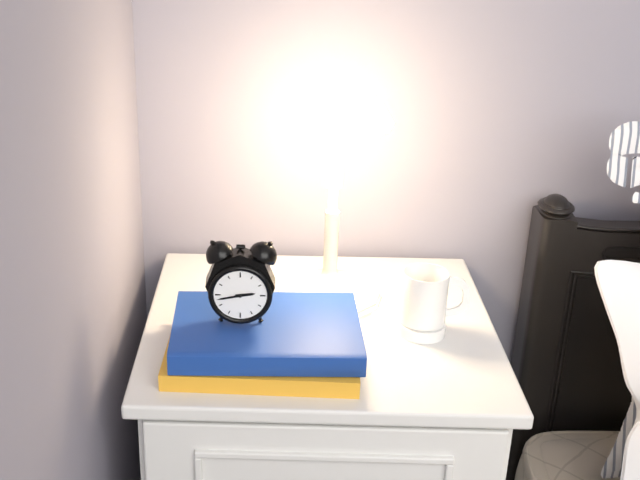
2:43
